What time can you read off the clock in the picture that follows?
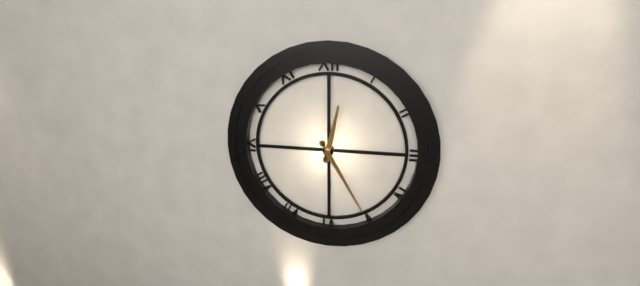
12:25
